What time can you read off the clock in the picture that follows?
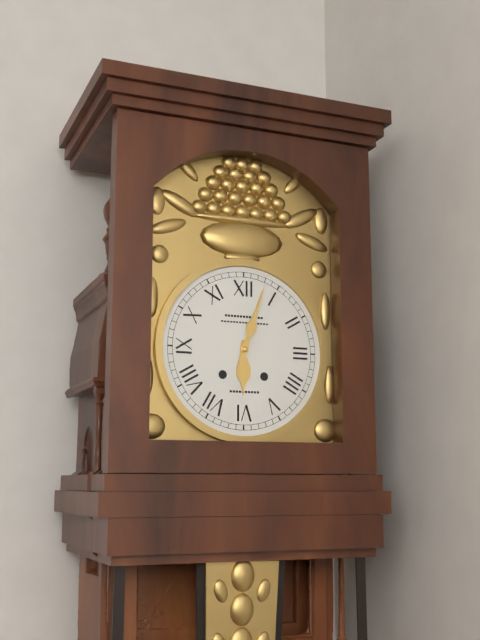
6:03
